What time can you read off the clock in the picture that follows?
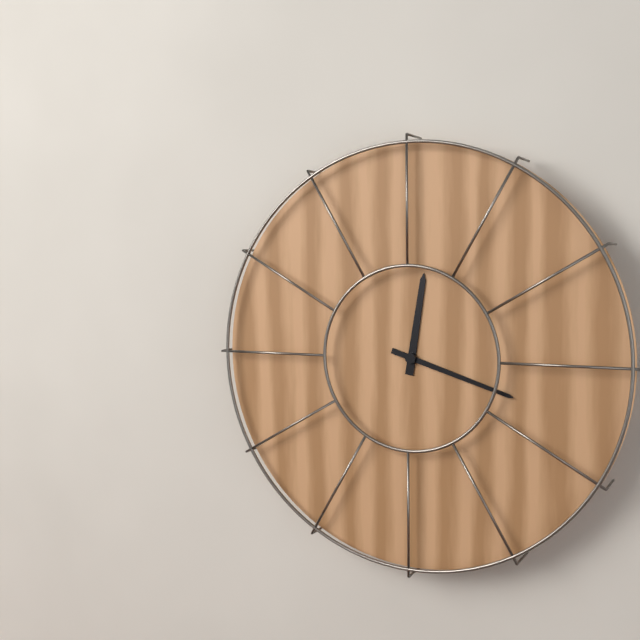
12:18
